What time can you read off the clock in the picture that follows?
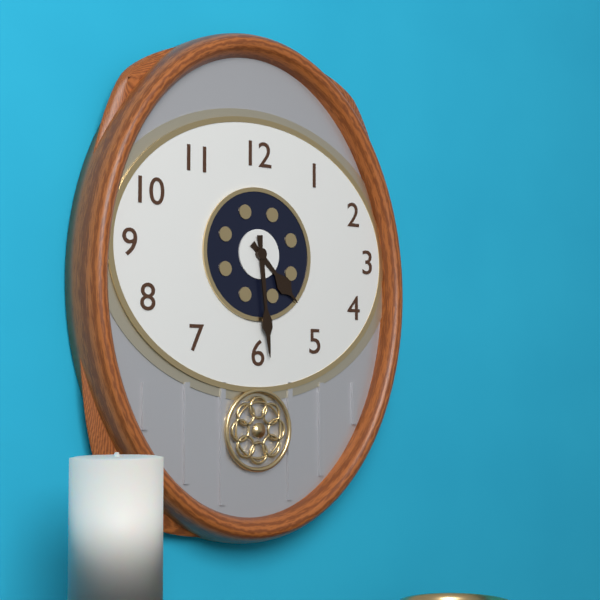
4:29
